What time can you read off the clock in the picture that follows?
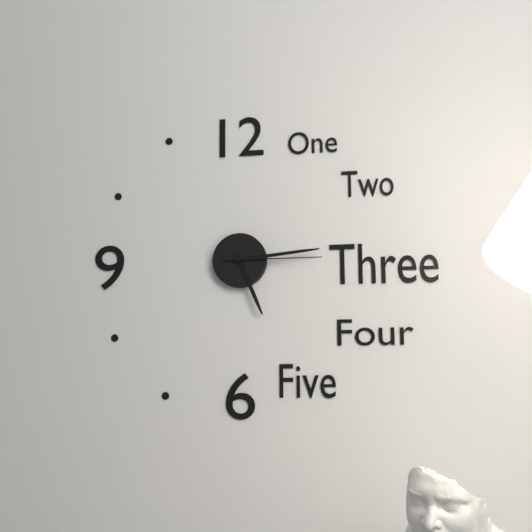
5:14:15
